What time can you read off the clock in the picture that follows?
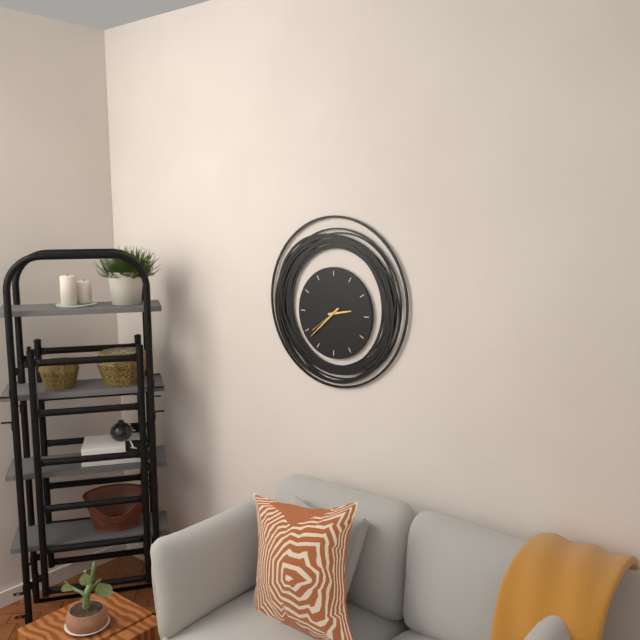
2:38
